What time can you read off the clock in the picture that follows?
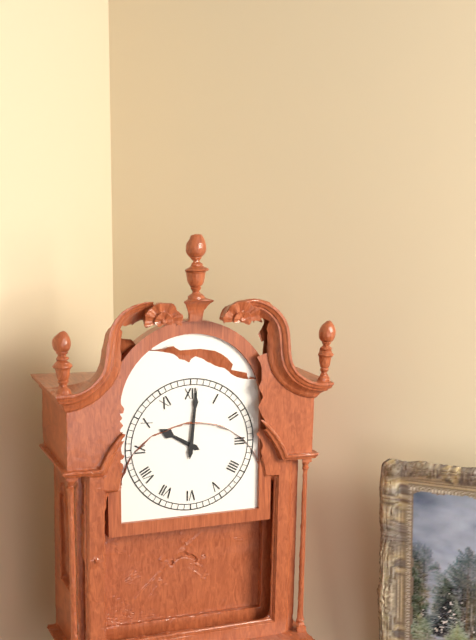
10:01
